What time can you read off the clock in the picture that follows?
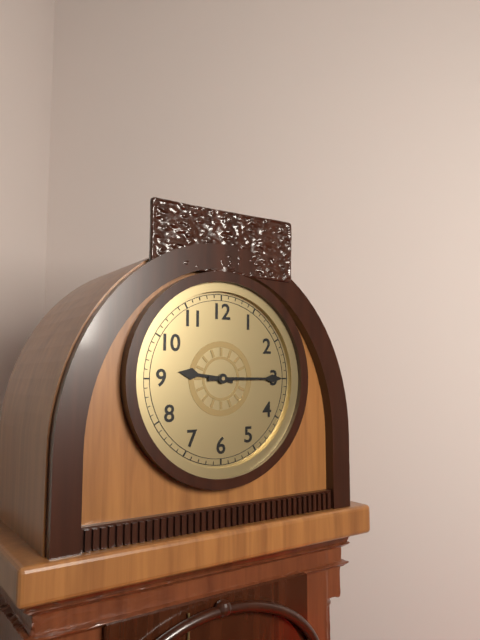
9:15
